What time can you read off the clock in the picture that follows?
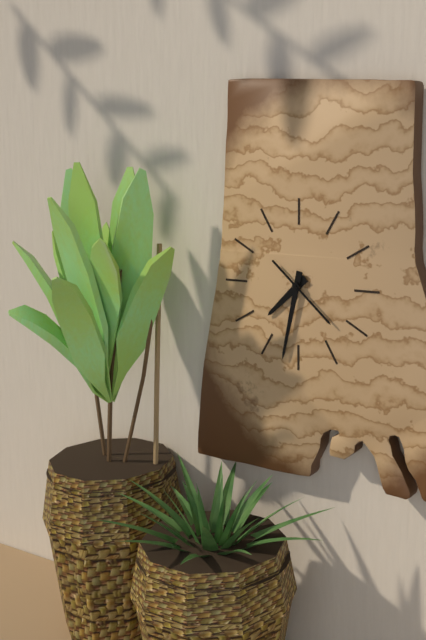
7:32:22
